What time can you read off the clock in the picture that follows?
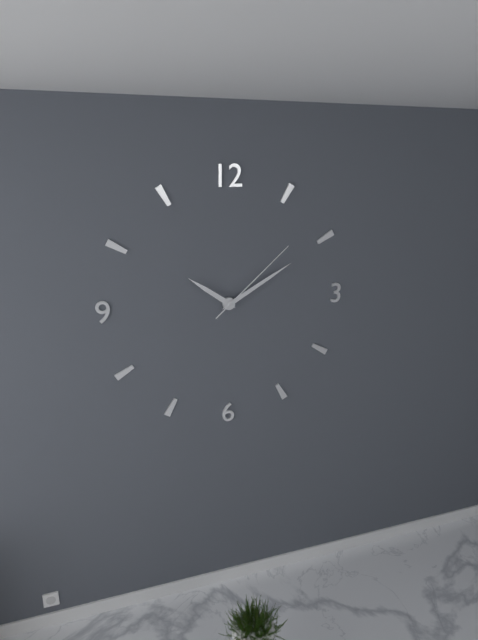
10:10:08
